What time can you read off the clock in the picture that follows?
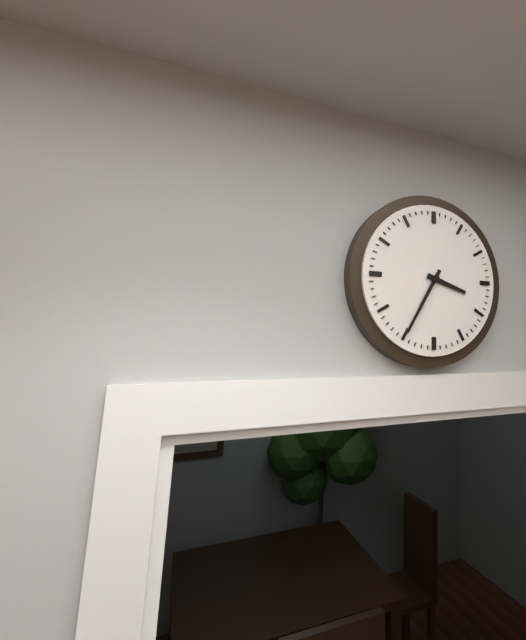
3:35
